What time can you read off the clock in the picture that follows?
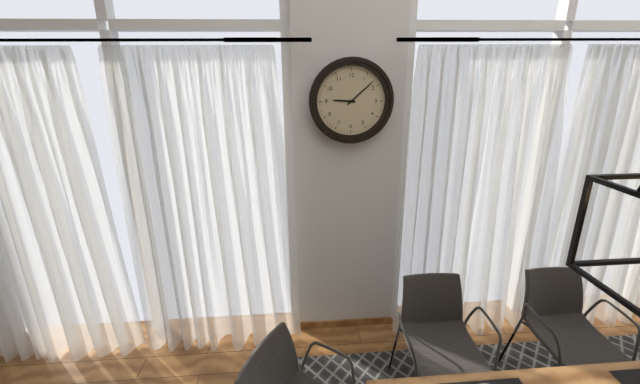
9:08
